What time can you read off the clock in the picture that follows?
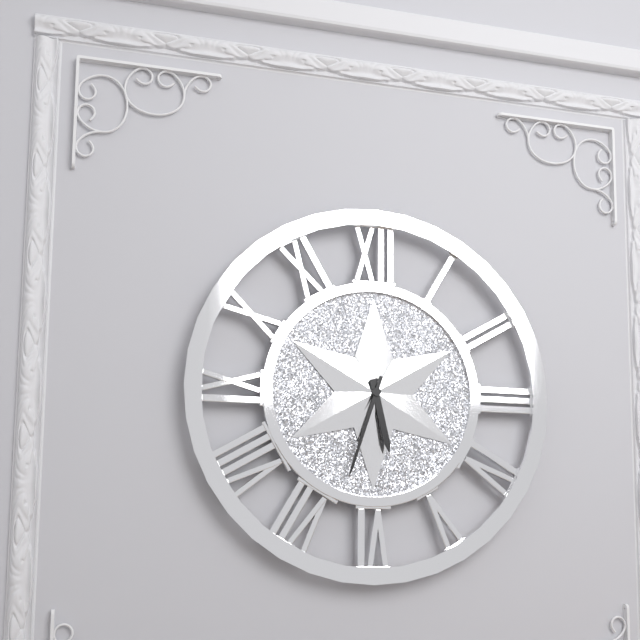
5:33
